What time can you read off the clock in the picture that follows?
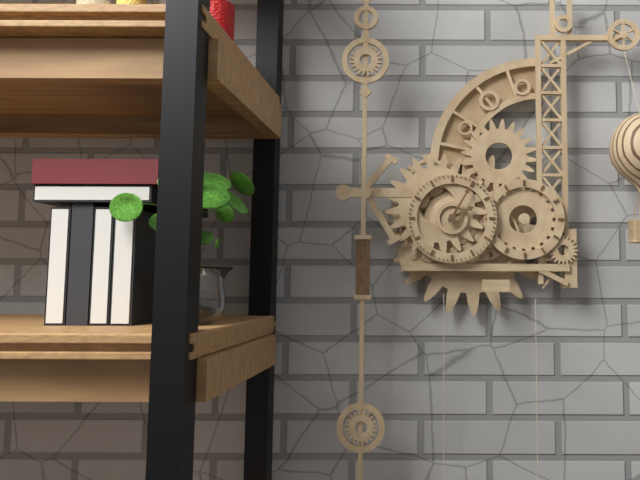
2:05
